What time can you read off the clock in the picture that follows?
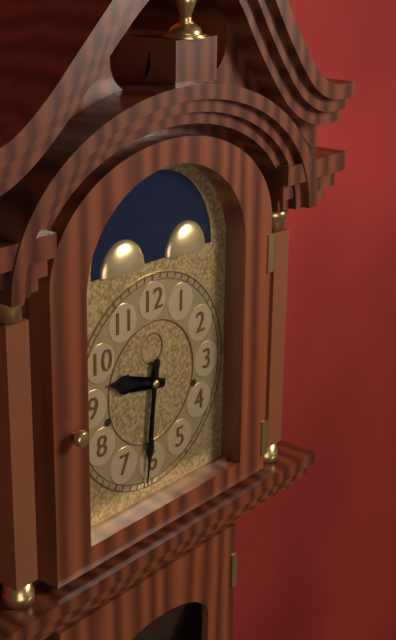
9:31
